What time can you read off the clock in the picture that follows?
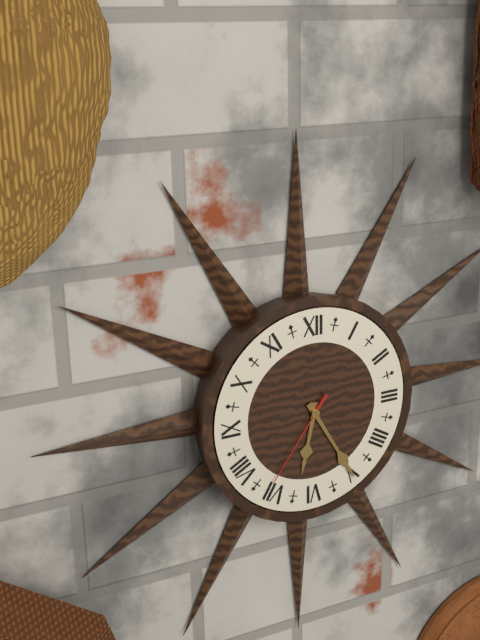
6:25:36
